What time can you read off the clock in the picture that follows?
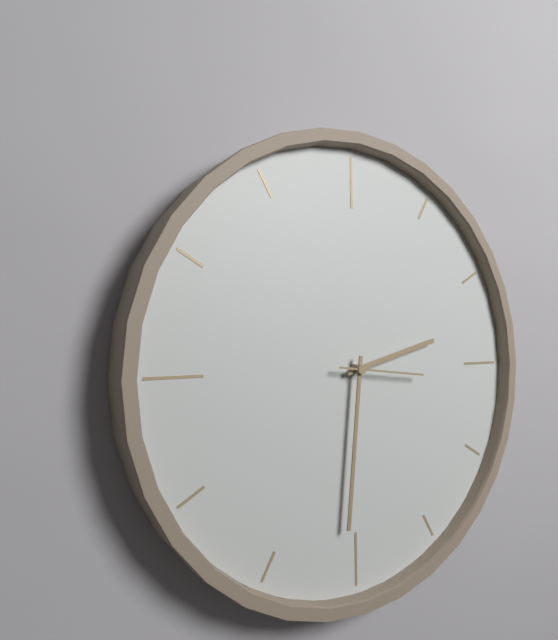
2:31:16
